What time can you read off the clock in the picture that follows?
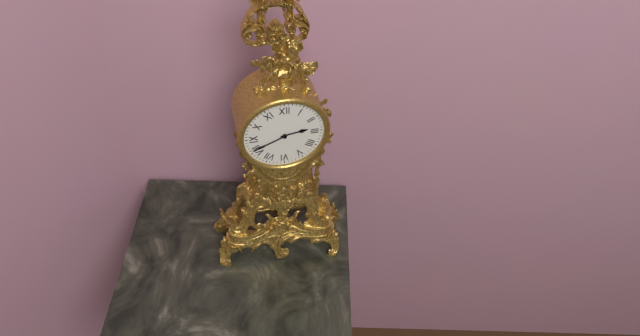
2:41
